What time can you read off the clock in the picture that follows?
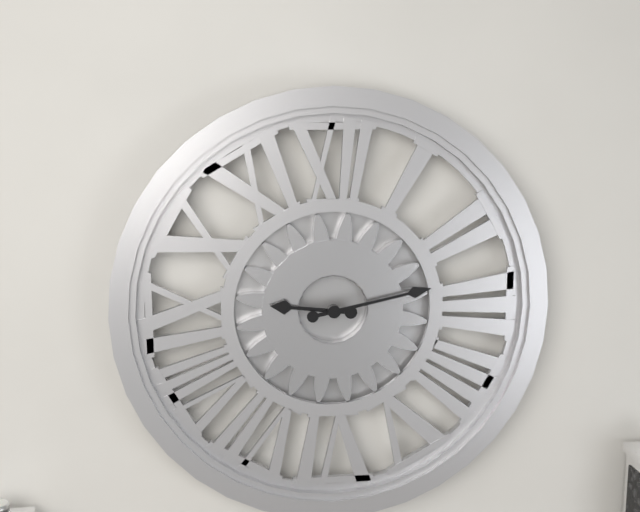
9:13
